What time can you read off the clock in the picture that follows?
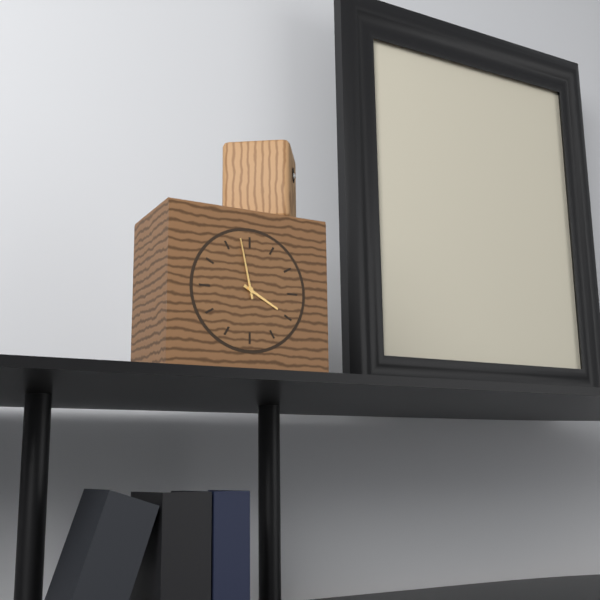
3:58
